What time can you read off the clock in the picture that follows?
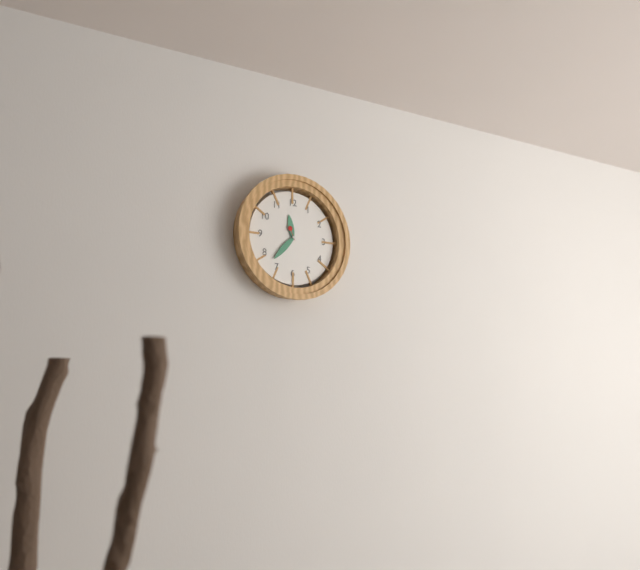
11:37
